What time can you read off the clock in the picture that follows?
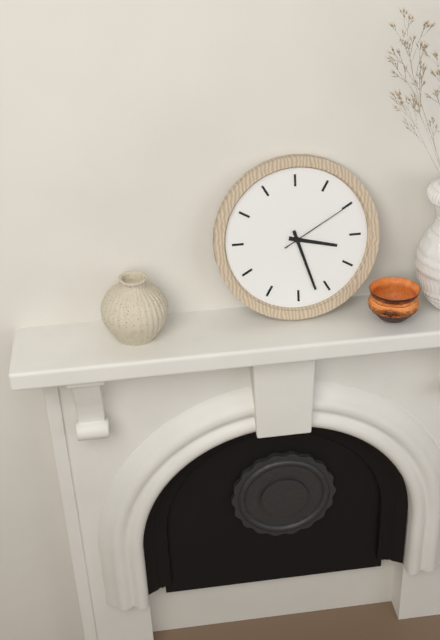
3:27:10
